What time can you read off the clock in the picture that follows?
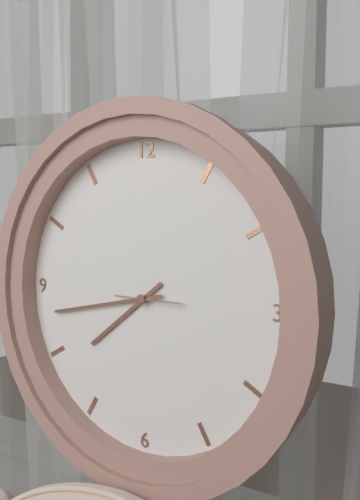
7:43
